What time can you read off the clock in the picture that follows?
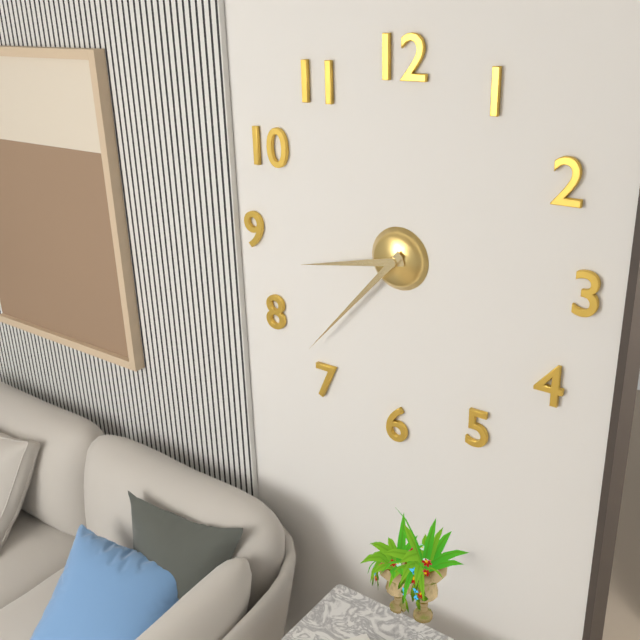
8:37
